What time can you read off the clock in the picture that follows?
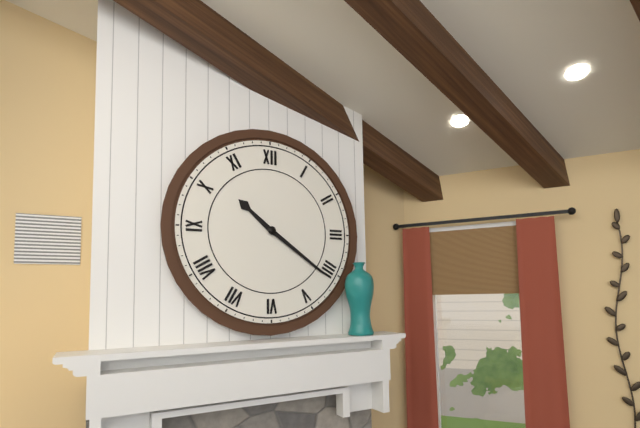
10:21
